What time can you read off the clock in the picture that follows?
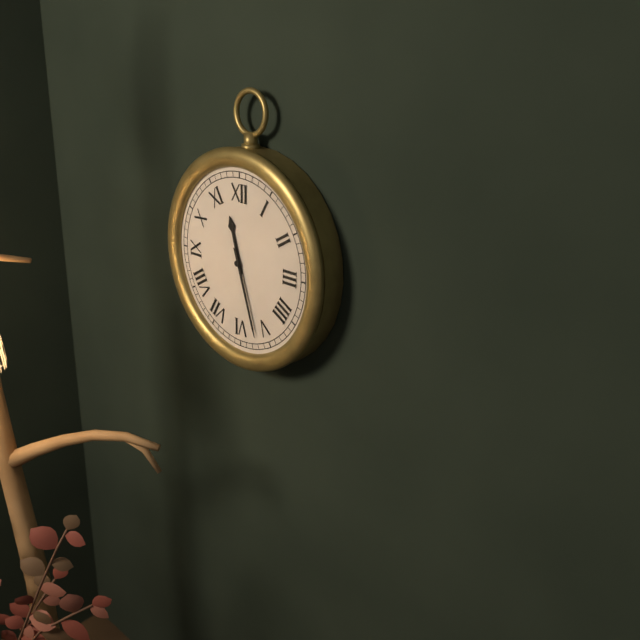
11:27
